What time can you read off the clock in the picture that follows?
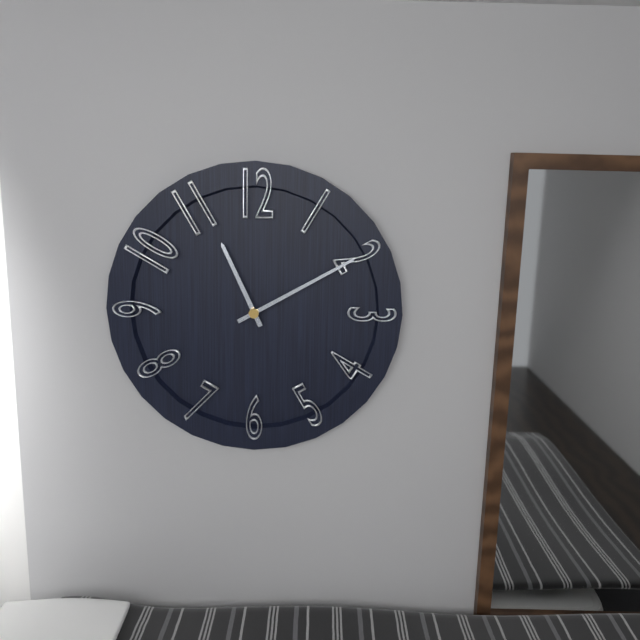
11:10
